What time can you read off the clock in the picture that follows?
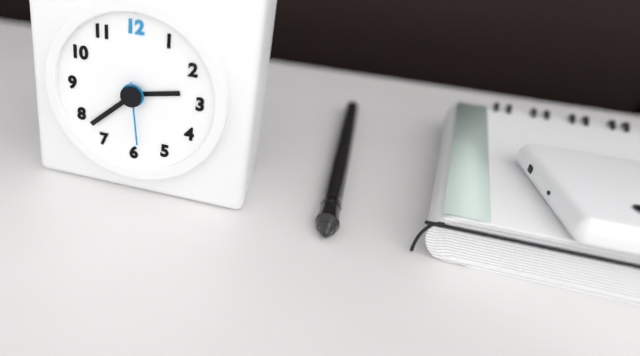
2:38:29
